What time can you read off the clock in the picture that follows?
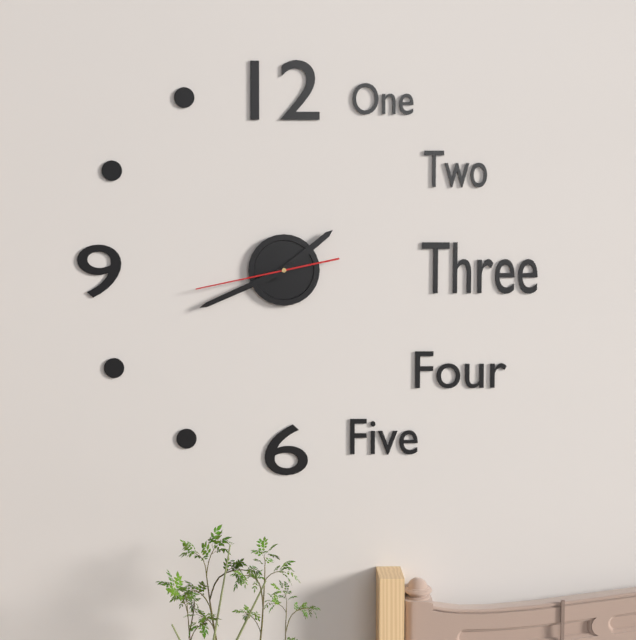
1:41:43
